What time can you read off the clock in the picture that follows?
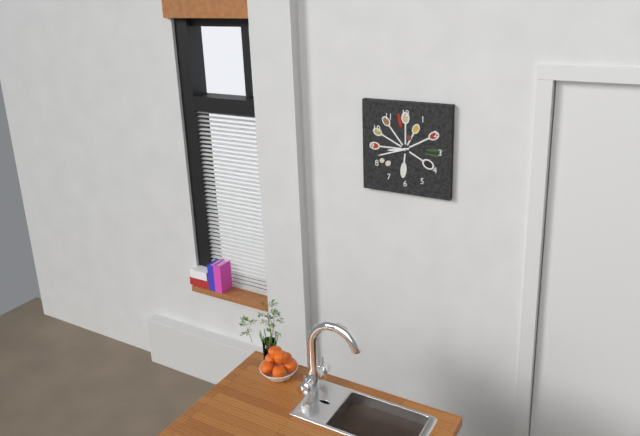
8:42
